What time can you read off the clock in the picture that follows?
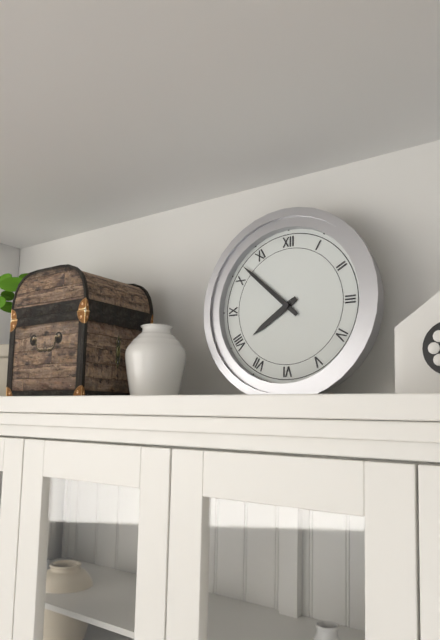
7:52
